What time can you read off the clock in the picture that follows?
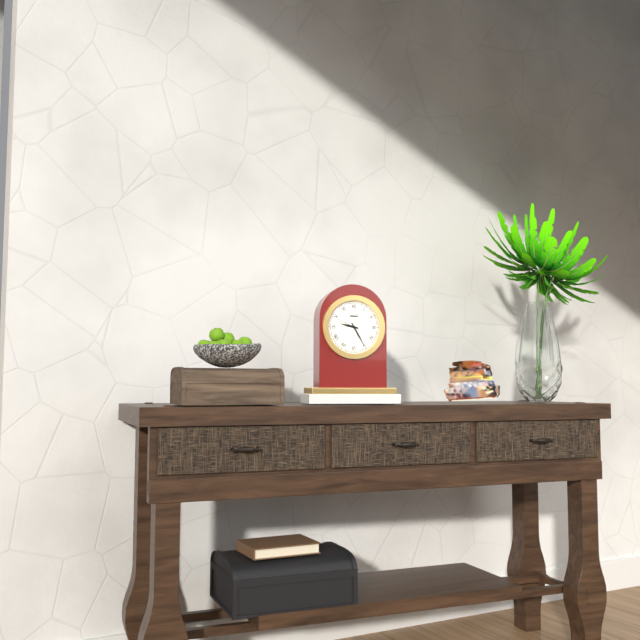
9:25
